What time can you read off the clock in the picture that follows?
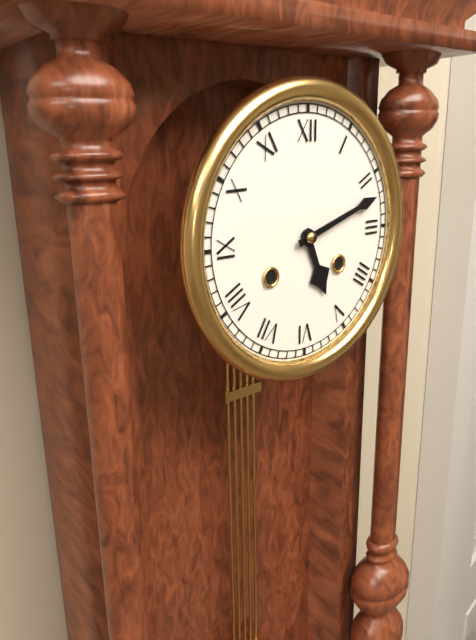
5:12
